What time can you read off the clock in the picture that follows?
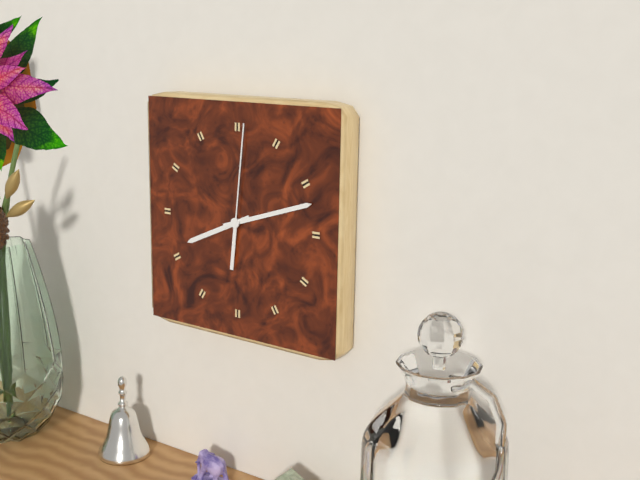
8:12:01
